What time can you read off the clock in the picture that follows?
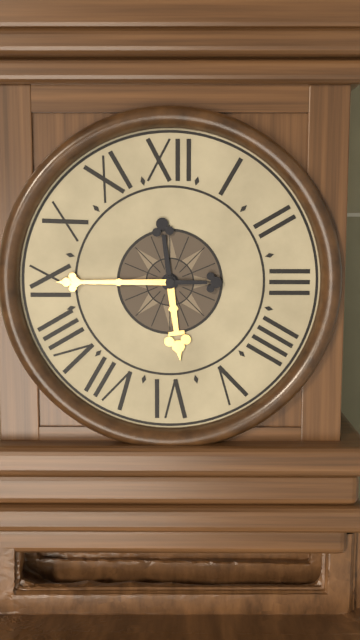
5:45
